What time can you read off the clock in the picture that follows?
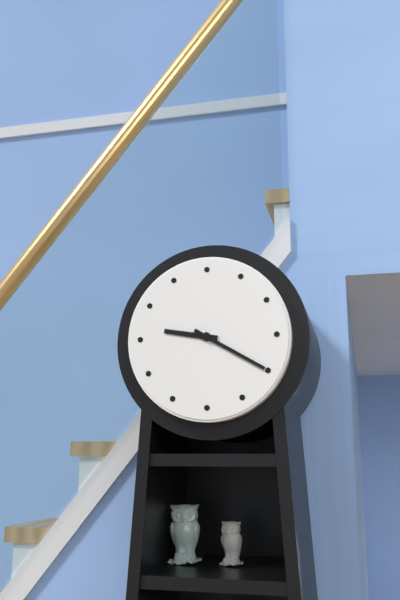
9:20
